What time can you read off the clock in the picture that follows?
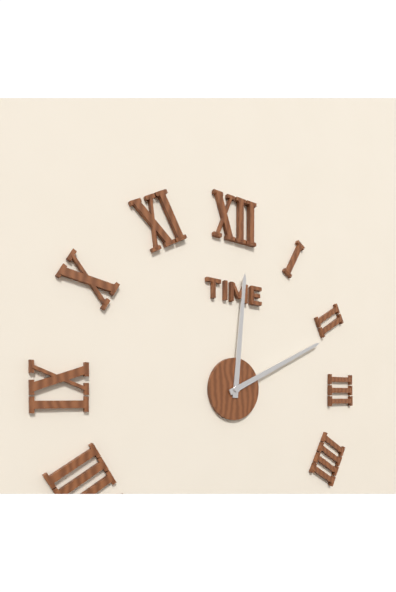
12:11
